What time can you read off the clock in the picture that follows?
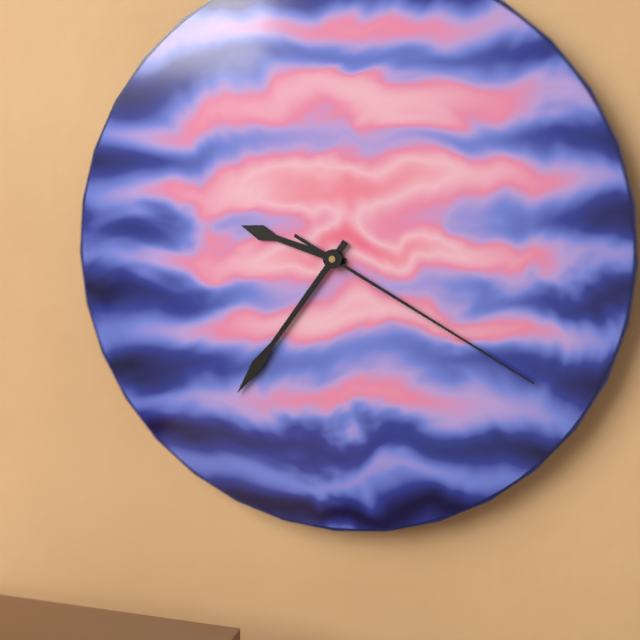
9:36:20
